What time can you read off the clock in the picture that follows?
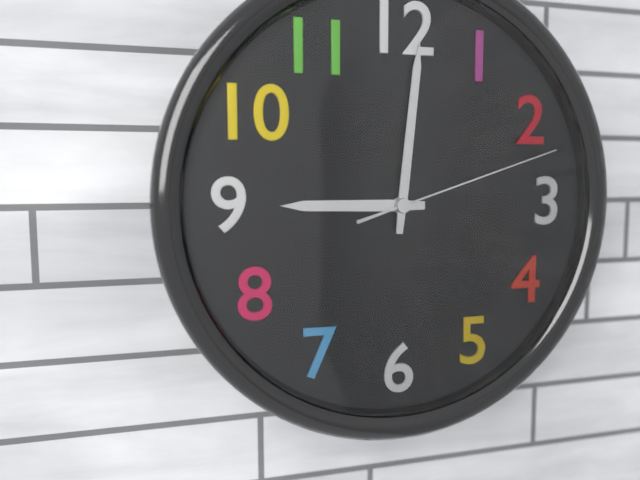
9:01:12
